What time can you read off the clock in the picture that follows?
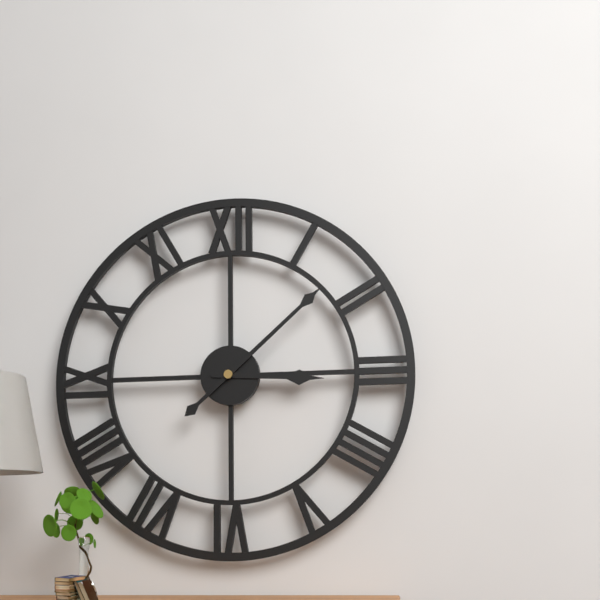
3:08
